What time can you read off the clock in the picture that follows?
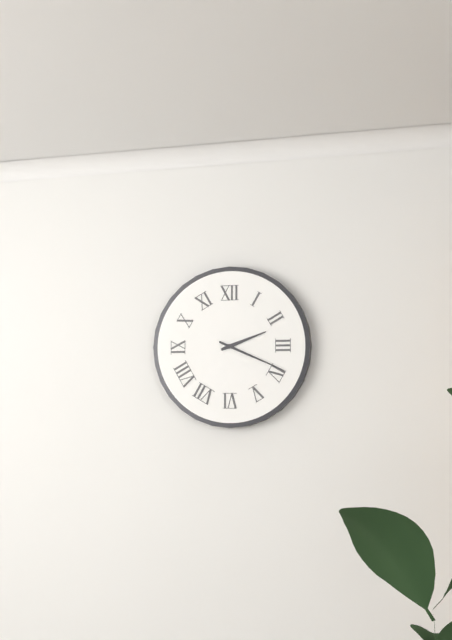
2:19
